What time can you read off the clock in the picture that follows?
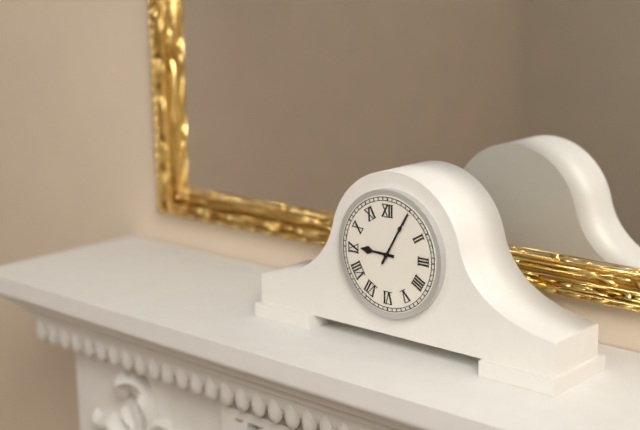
9:05
